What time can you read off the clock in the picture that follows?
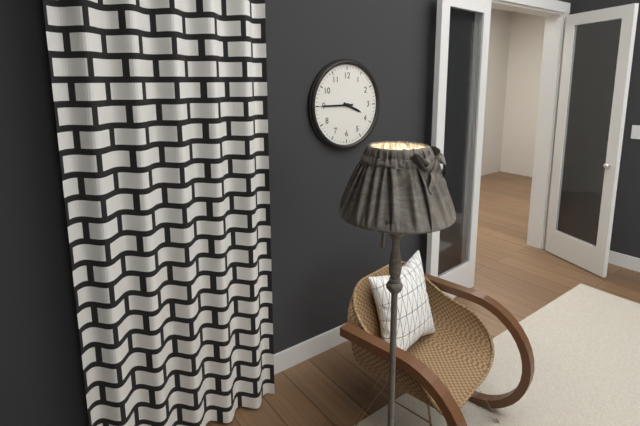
3:45
